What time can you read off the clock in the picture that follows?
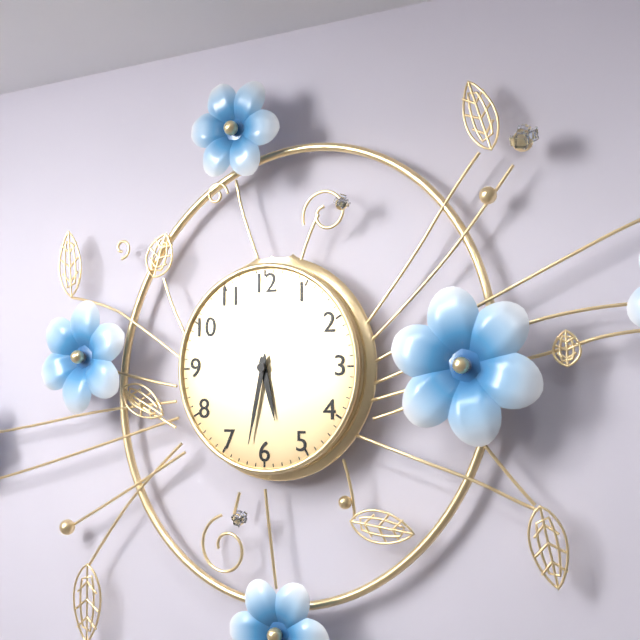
5:32
